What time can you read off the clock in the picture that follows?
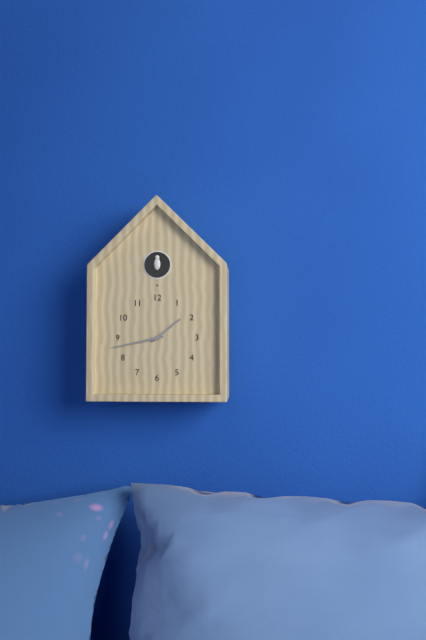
1:43
